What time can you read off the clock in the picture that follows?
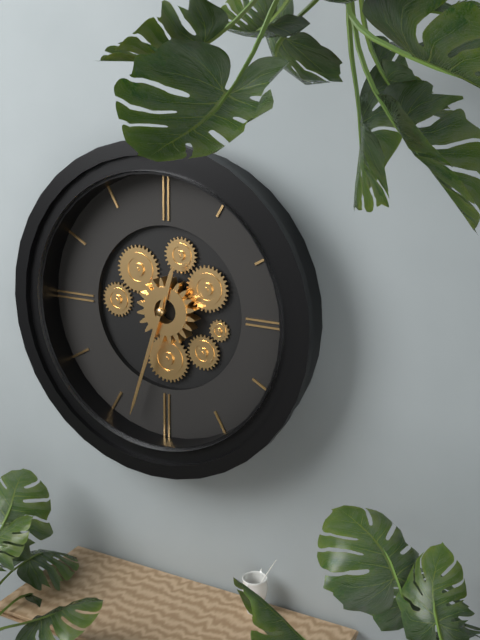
12:33
